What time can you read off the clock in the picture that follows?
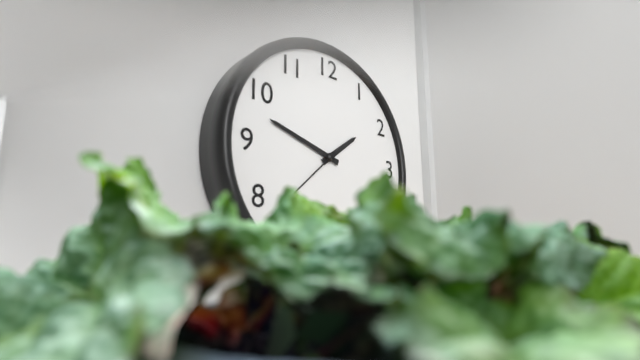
1:48
